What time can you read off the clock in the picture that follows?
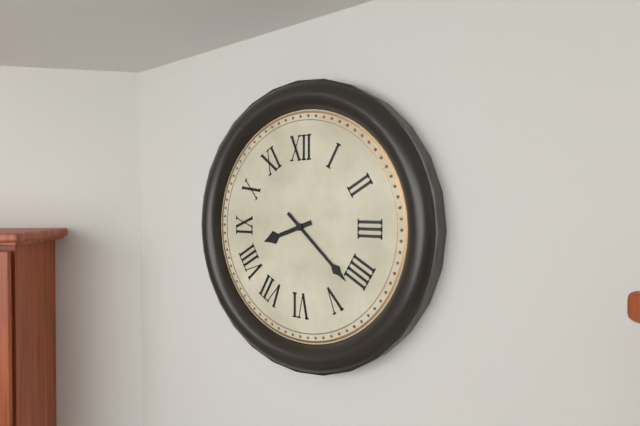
8:22
